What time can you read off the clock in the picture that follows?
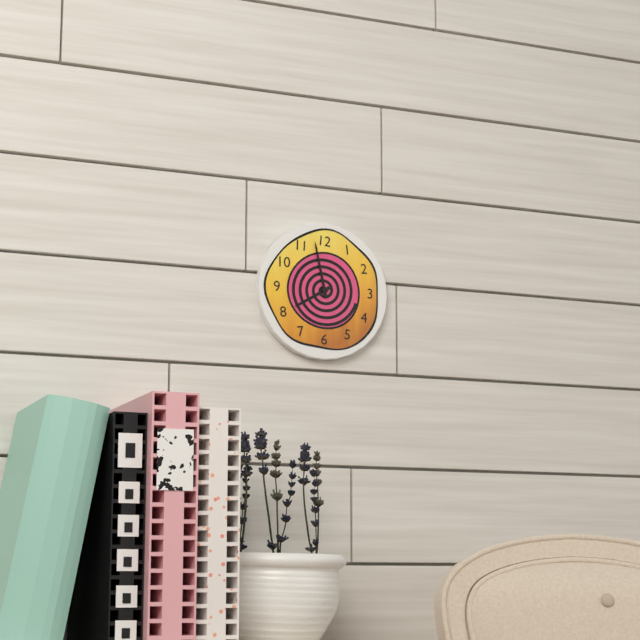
7:58
